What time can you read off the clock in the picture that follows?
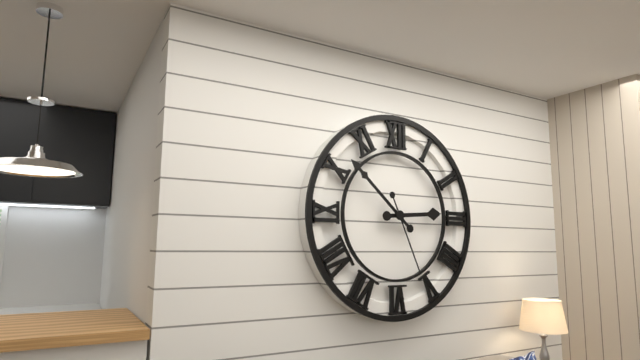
2:52:26
